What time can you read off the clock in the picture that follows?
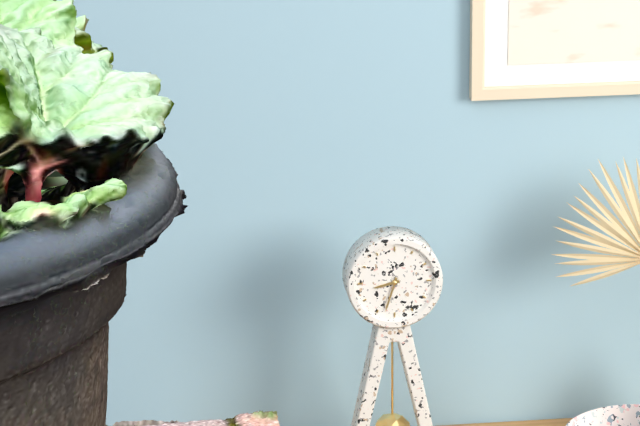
8:33
